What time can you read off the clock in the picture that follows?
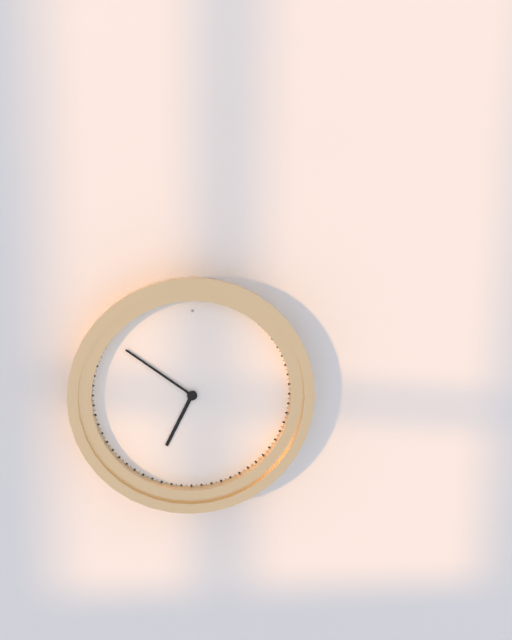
6:51
